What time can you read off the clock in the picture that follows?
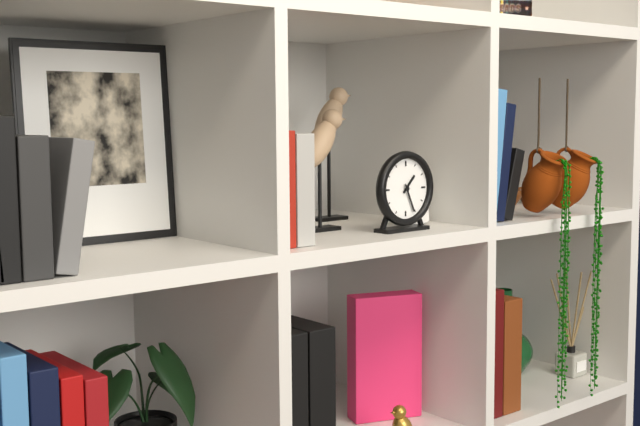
1:26
